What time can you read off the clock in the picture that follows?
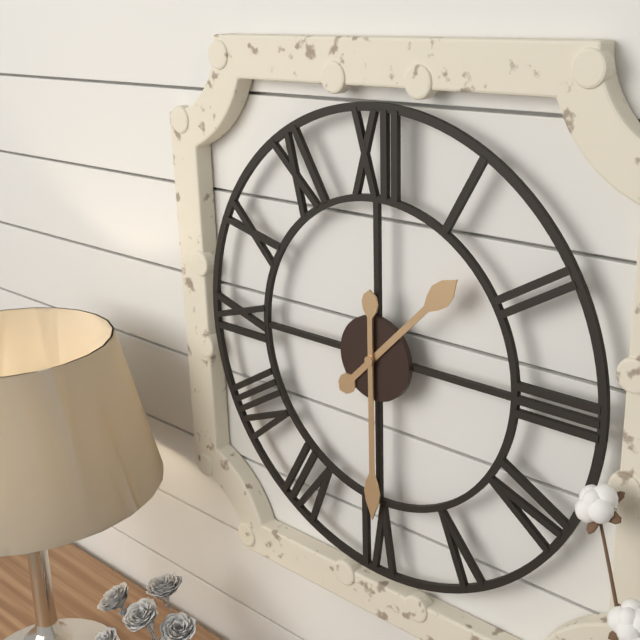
1:30
